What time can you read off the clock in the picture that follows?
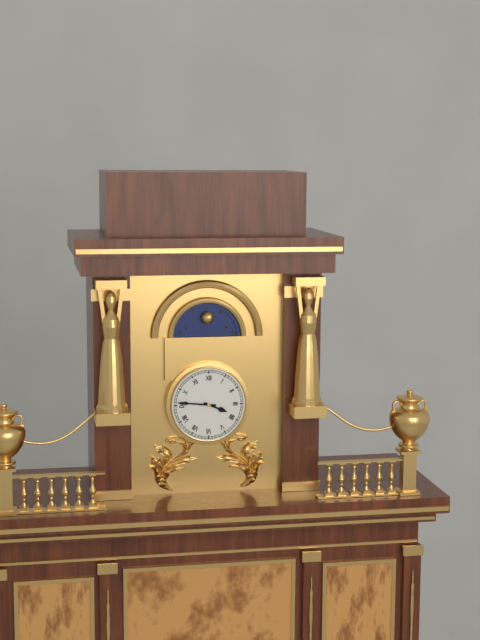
3:46
